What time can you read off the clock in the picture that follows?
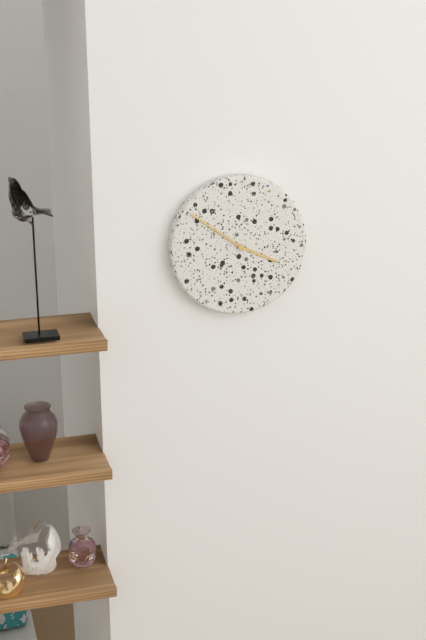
3:51
